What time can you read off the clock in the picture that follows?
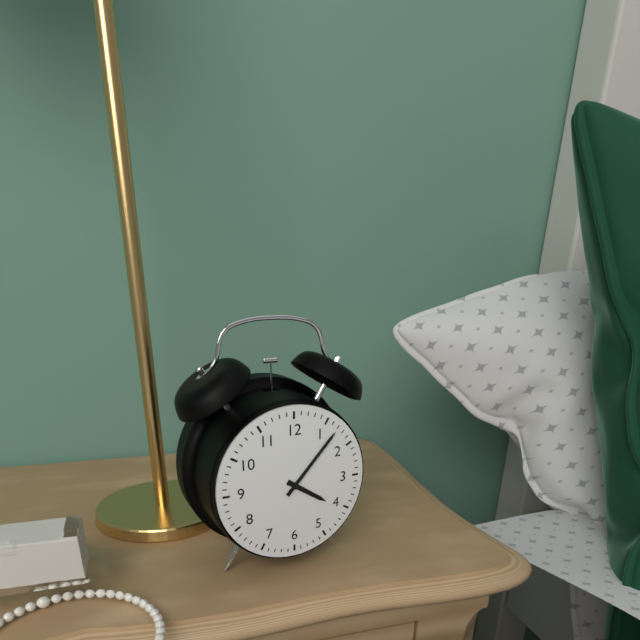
4:07
